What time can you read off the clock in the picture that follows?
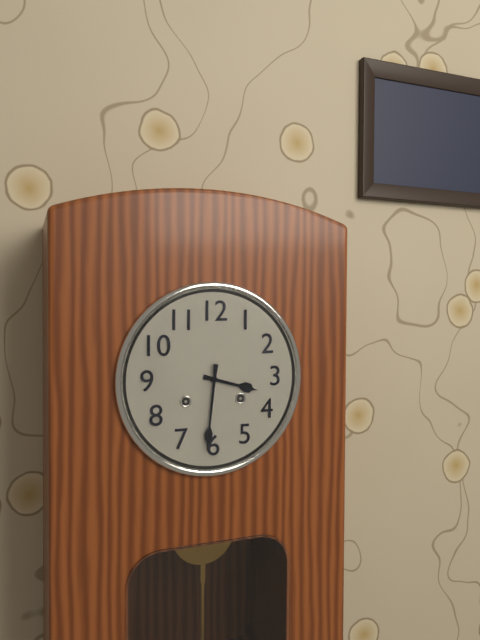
3:31
